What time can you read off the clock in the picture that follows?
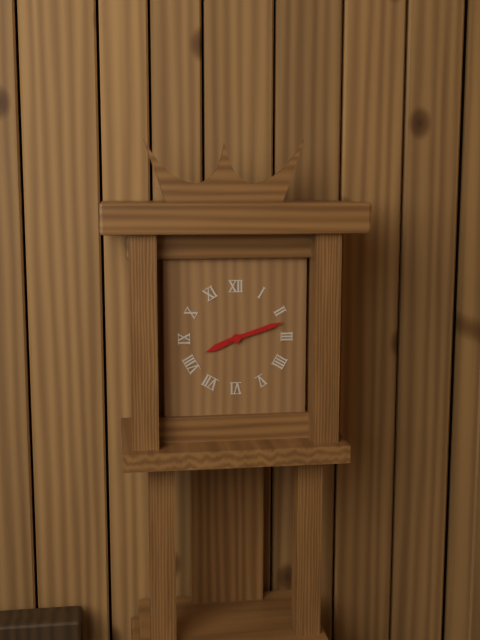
8:12
